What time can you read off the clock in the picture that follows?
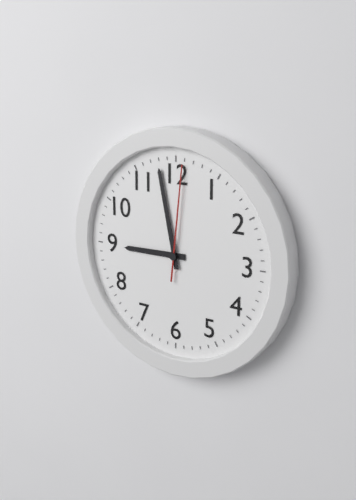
8:58:01
